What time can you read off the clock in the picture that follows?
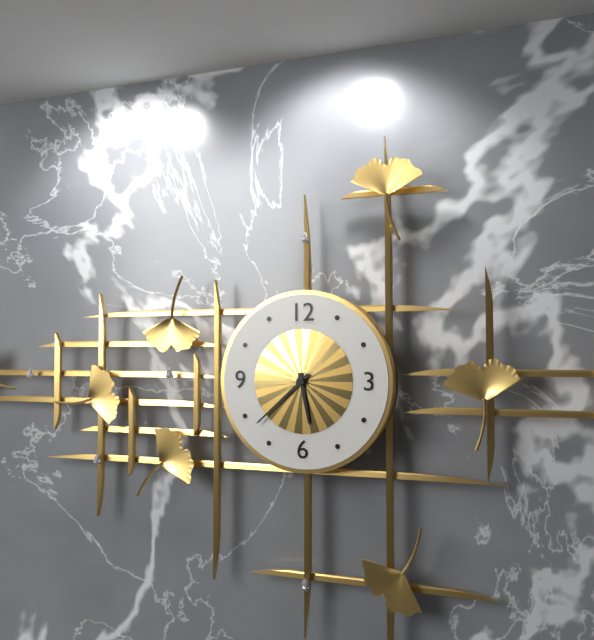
5:38
